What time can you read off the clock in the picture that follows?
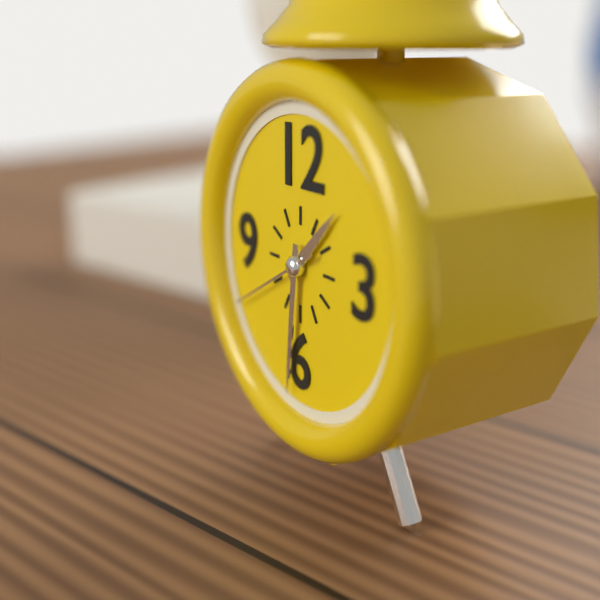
1:31:40
